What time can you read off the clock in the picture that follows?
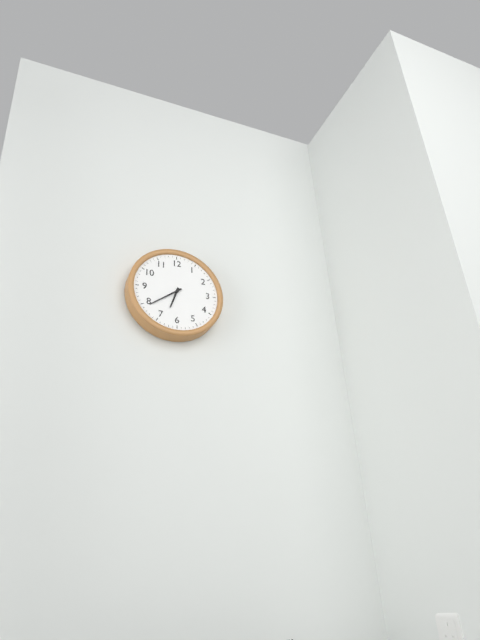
6:39
